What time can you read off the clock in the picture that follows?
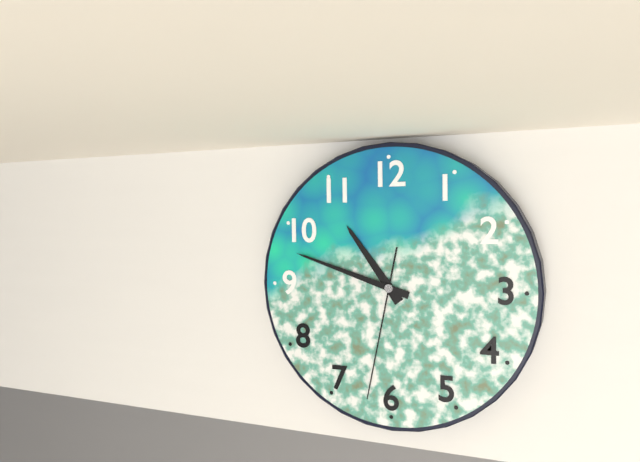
10:48:32
